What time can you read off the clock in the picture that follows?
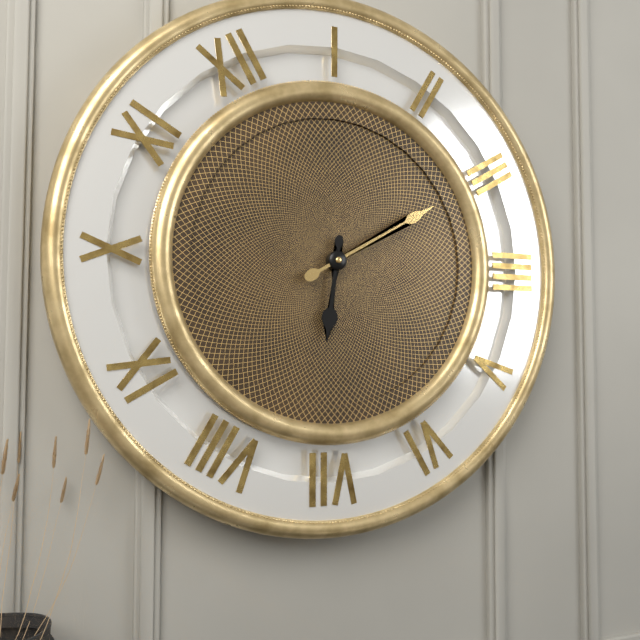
7:15
